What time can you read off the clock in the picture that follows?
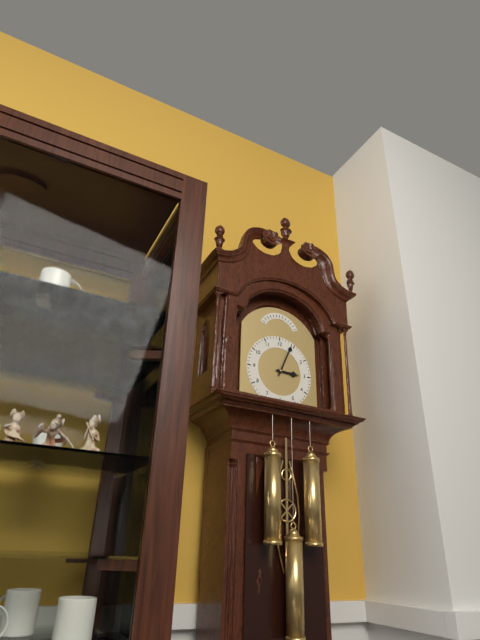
3:04
